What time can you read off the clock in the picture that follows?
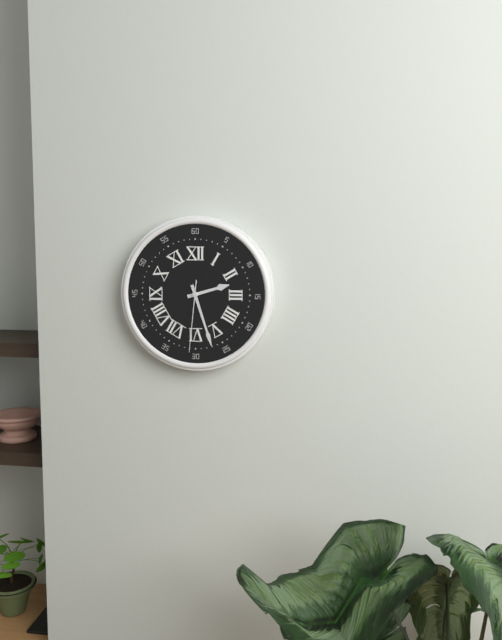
2:27:31
